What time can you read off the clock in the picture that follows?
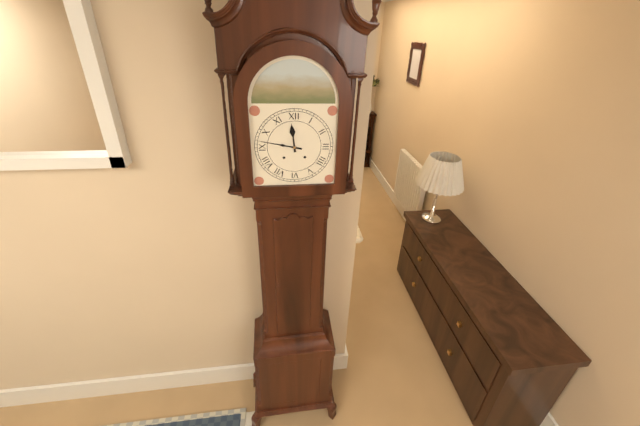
11:47
